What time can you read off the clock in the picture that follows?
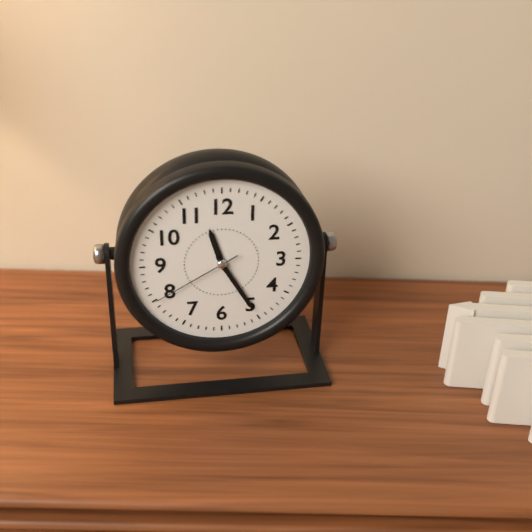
11:25:40
